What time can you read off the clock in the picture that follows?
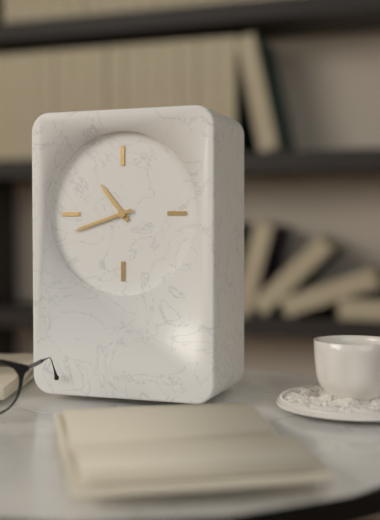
10:42
